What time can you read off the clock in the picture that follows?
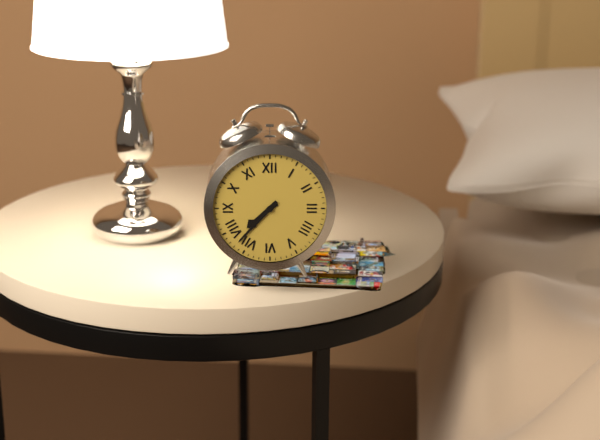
7:37
